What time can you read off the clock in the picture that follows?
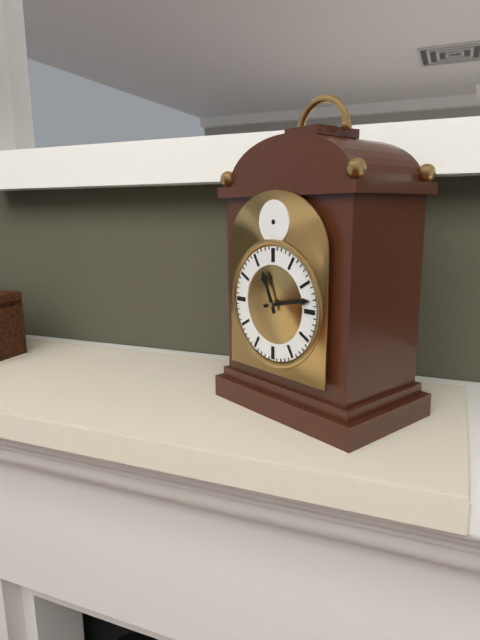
11:13
